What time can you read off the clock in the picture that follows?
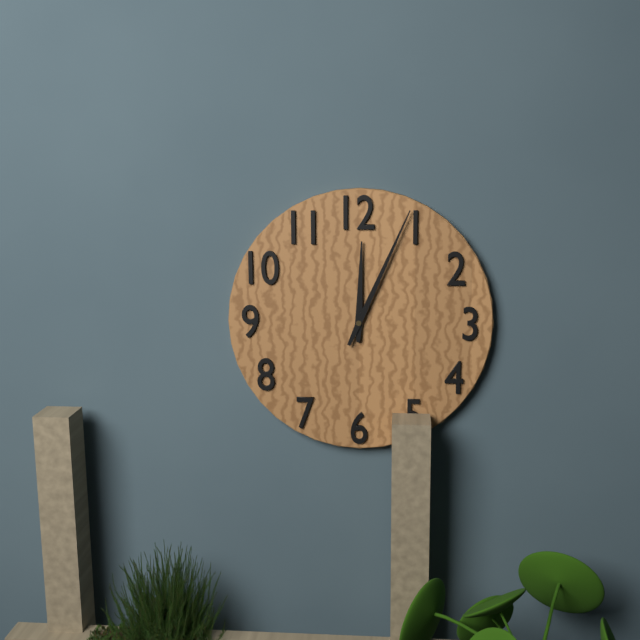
12:04
